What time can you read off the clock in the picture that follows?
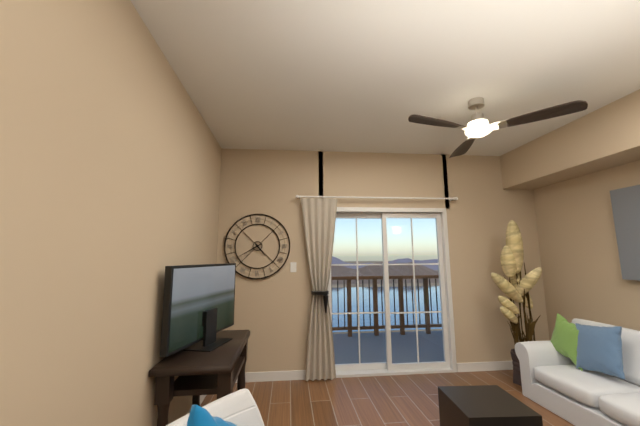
4:40
